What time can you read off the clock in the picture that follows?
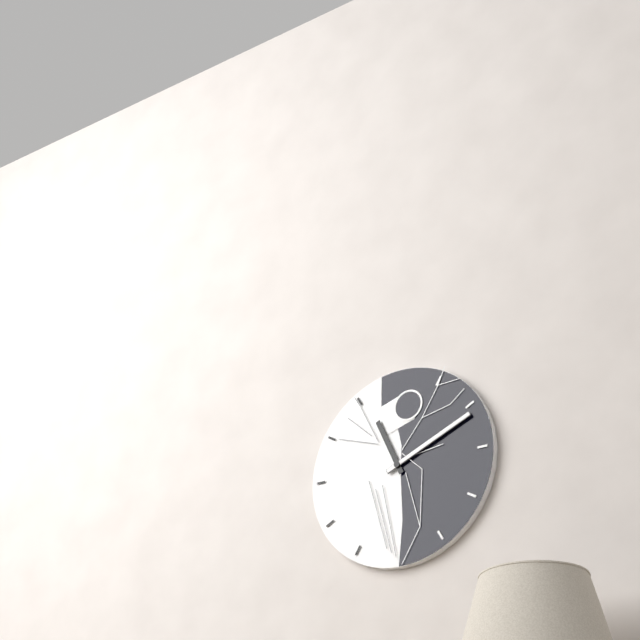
11:11
